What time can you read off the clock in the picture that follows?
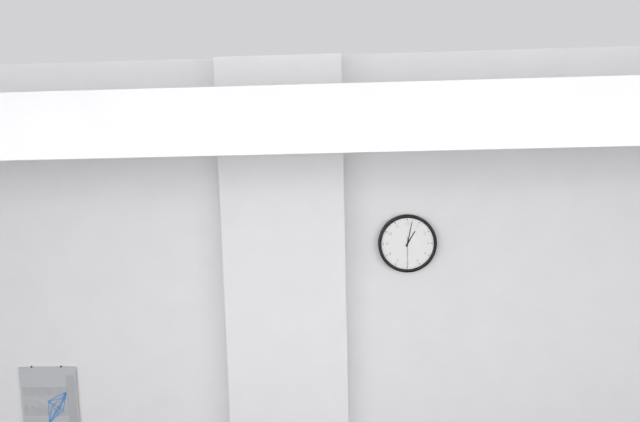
1:02
